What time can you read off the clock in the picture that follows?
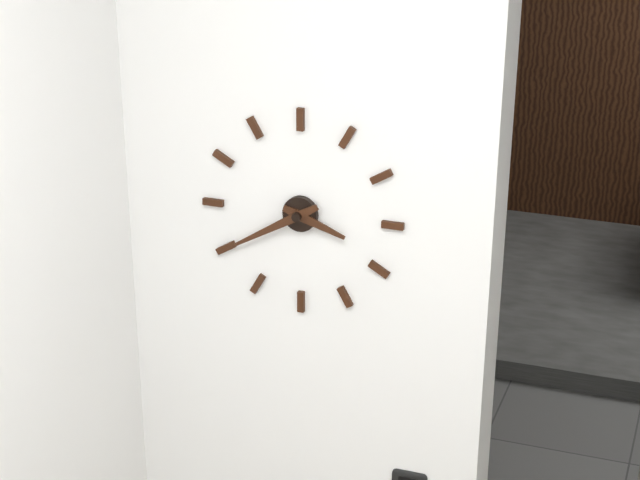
3:40
